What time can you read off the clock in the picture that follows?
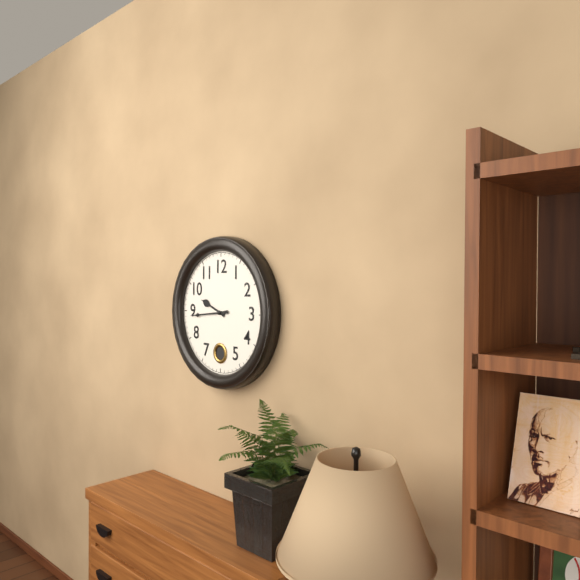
9:44
